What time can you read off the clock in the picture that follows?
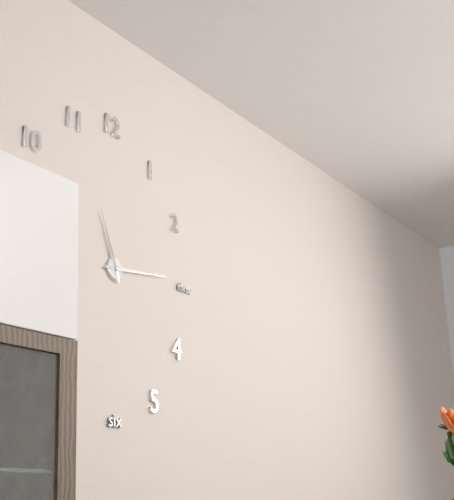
11:14
